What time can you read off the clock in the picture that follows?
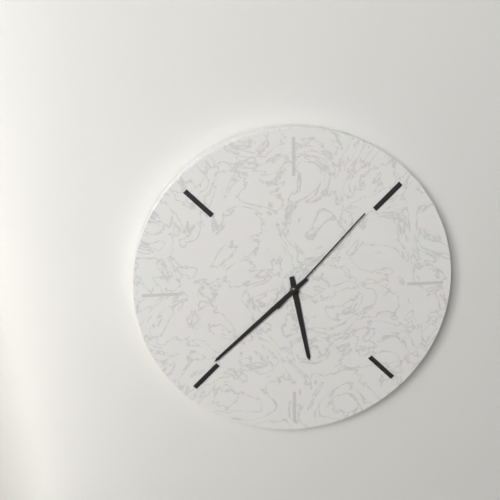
5:38:07
